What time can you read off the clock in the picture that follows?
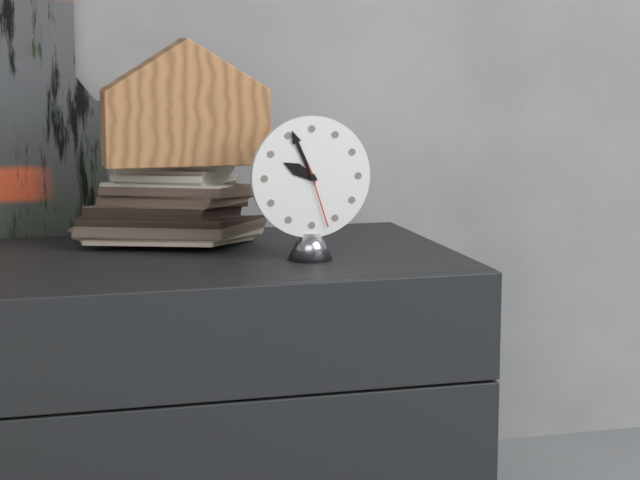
9:56:27
